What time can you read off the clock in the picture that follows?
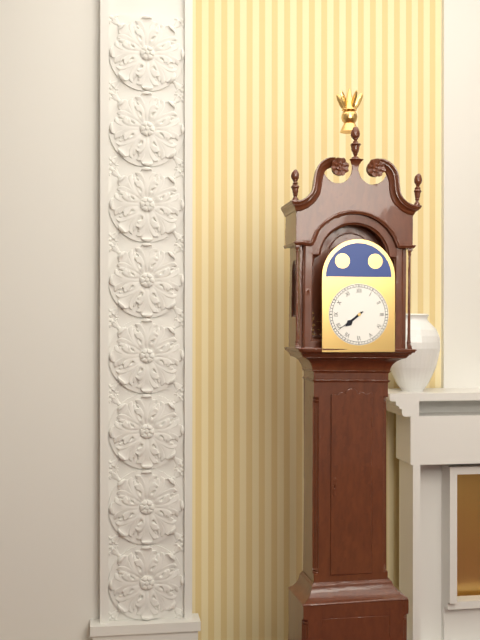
7:39
